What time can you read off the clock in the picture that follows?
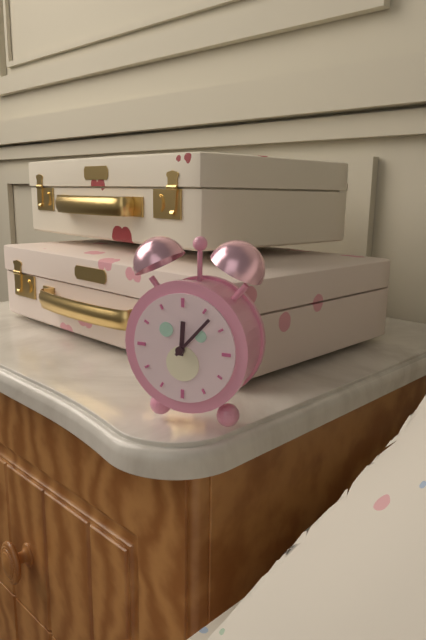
12:07
